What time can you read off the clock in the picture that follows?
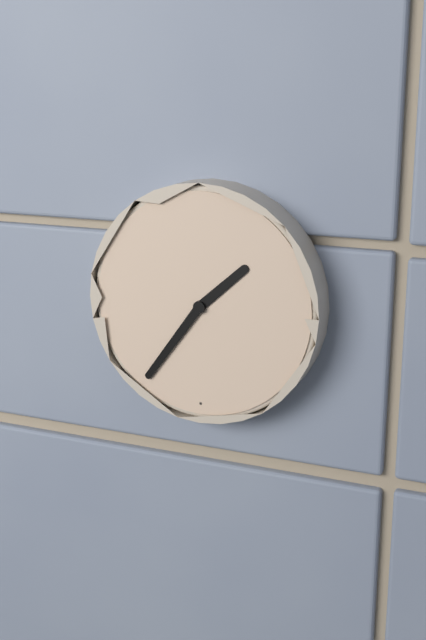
1:36
